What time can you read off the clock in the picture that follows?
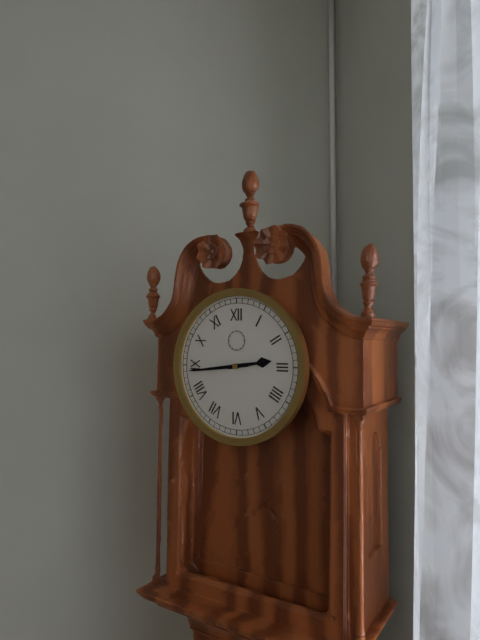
2:44
